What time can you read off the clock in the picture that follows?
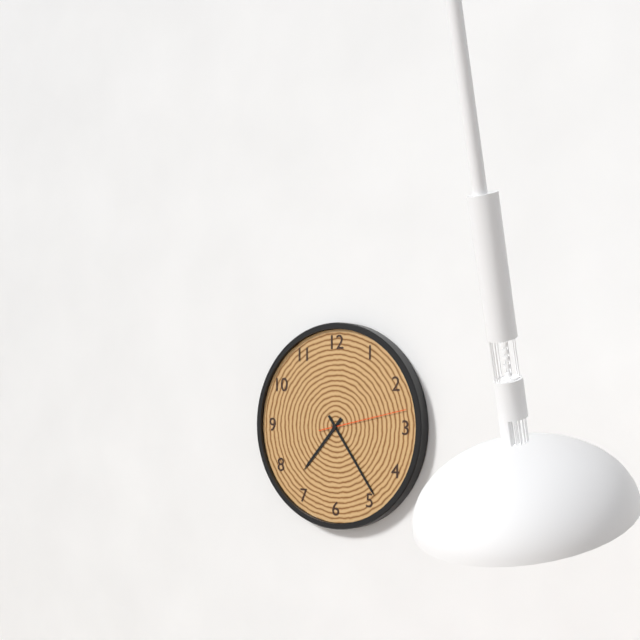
7:24:13
